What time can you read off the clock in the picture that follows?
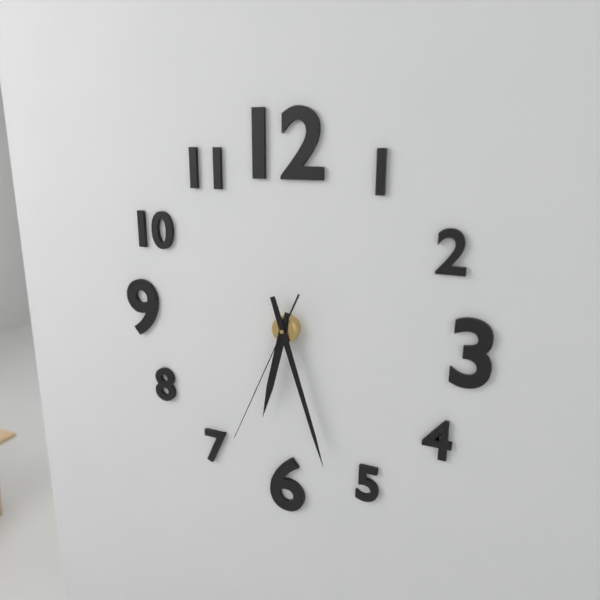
6:27:34
